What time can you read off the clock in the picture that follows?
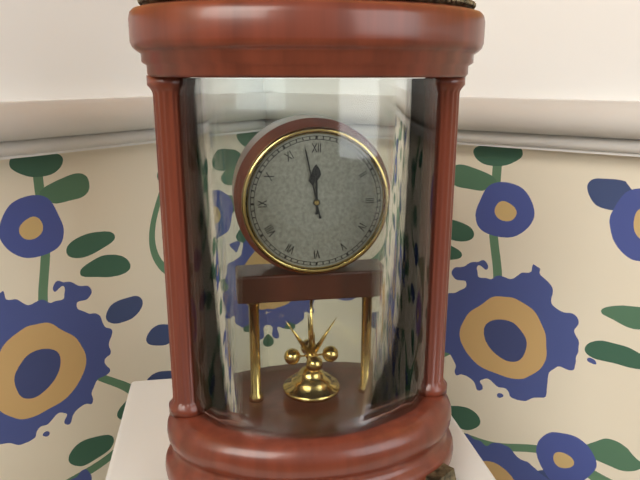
11:58
